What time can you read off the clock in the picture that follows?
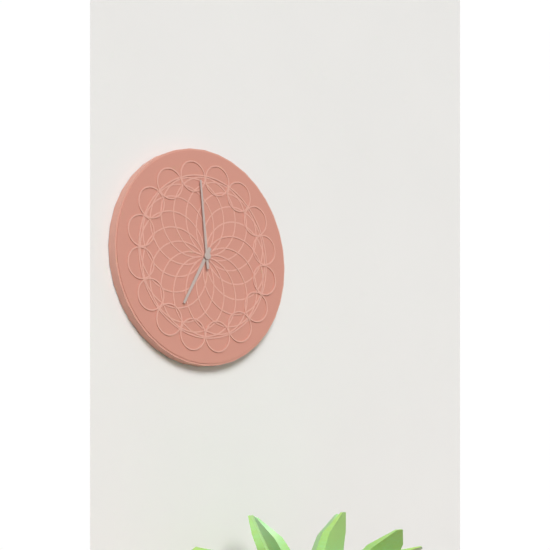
6:59
